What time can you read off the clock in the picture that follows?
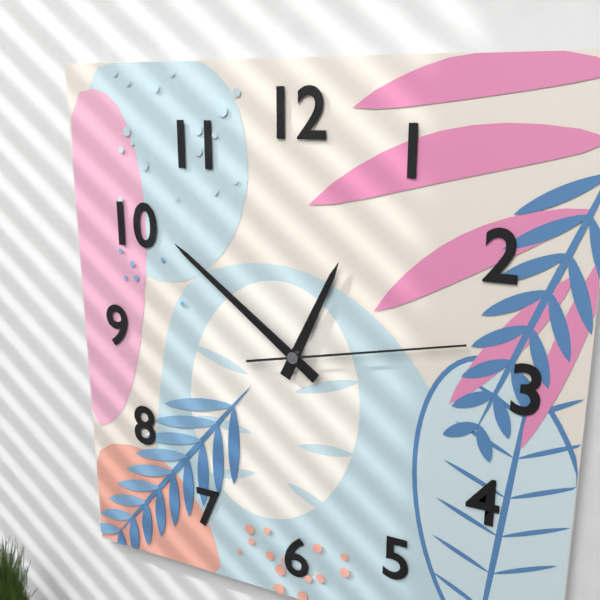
12:51:13
